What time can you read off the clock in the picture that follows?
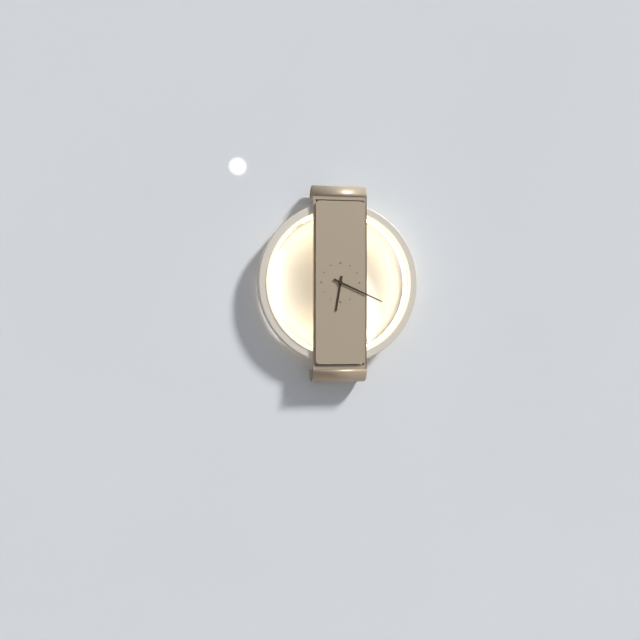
6:19
